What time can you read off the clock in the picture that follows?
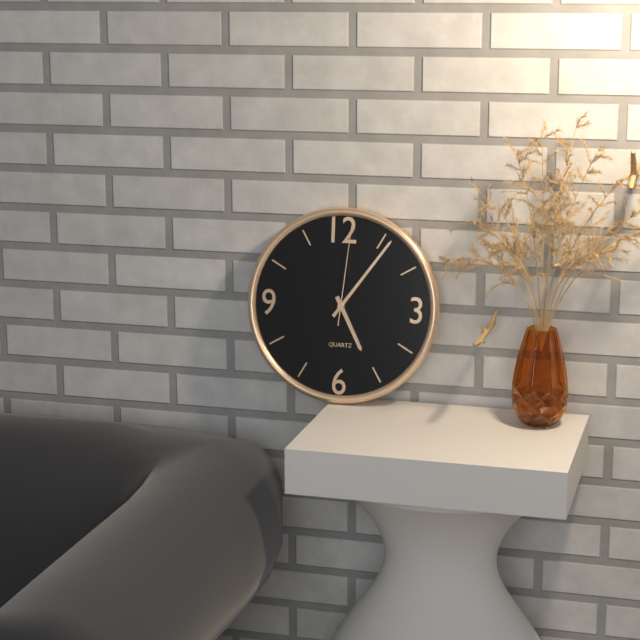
5:06:01
